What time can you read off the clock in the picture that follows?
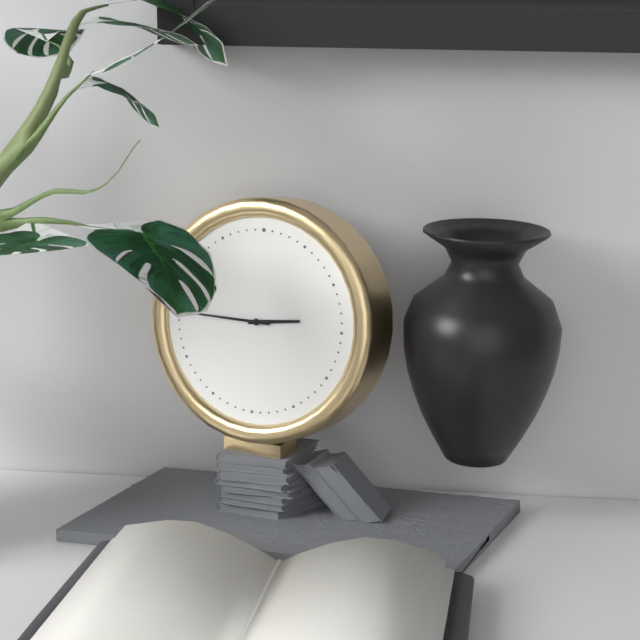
2:45
